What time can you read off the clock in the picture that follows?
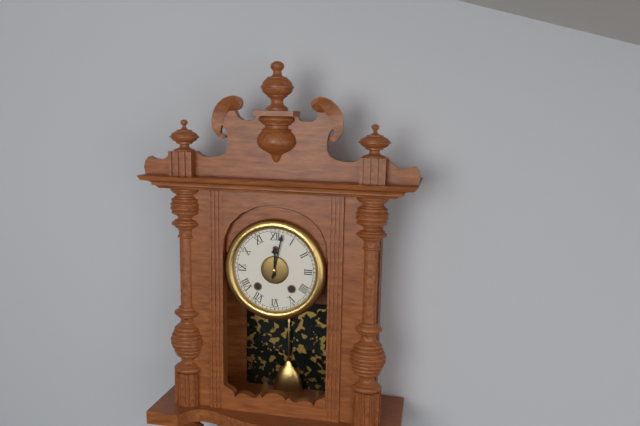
12:02
